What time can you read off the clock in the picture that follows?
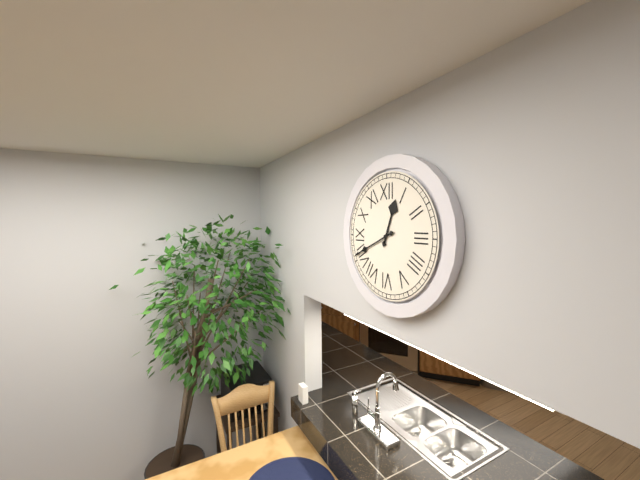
12:41
